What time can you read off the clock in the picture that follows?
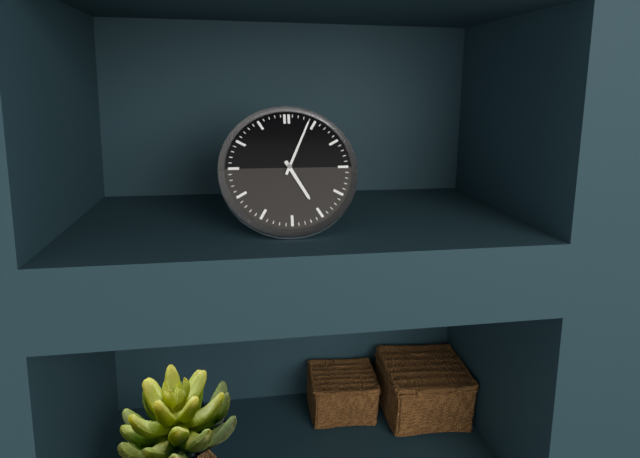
5:04
